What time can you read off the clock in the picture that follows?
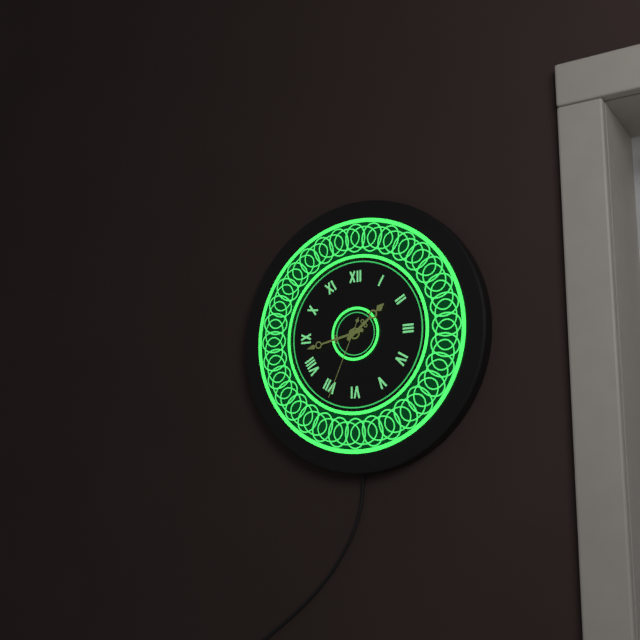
1:43:34
